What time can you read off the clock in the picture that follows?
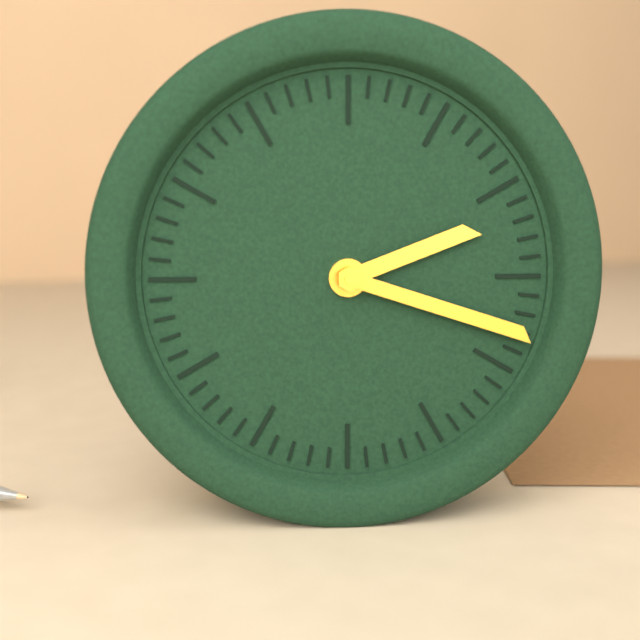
2:18
